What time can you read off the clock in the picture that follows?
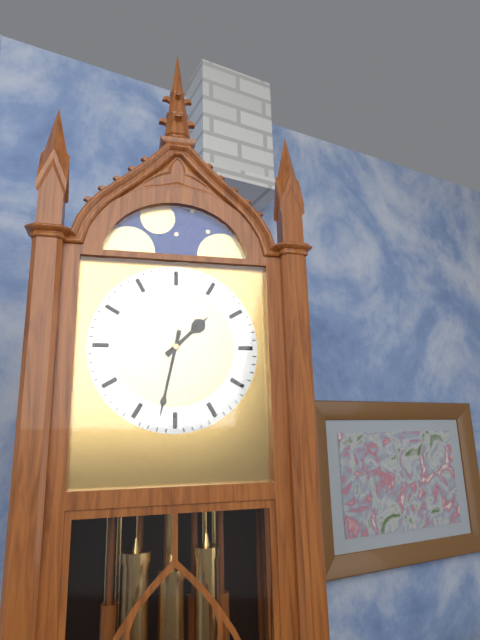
1:32
